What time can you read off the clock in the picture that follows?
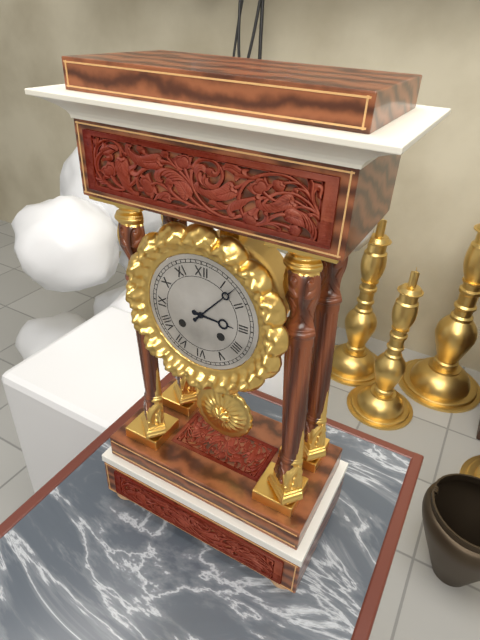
3:07
